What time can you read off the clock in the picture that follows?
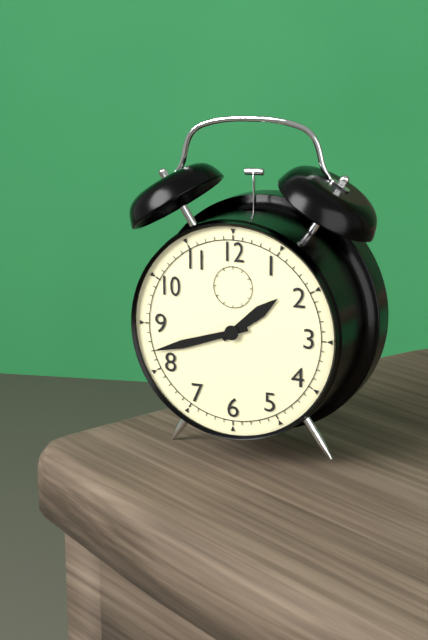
1:42
